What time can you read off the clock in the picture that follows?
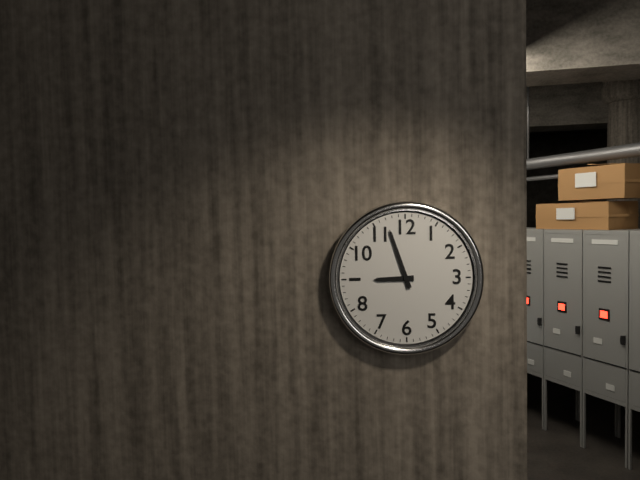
8:57
